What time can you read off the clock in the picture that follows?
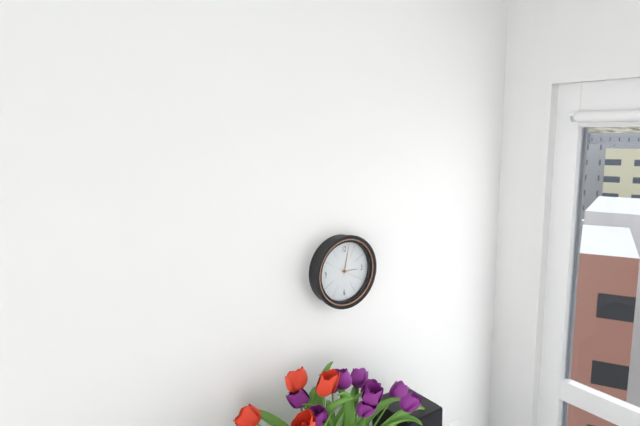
3:02
